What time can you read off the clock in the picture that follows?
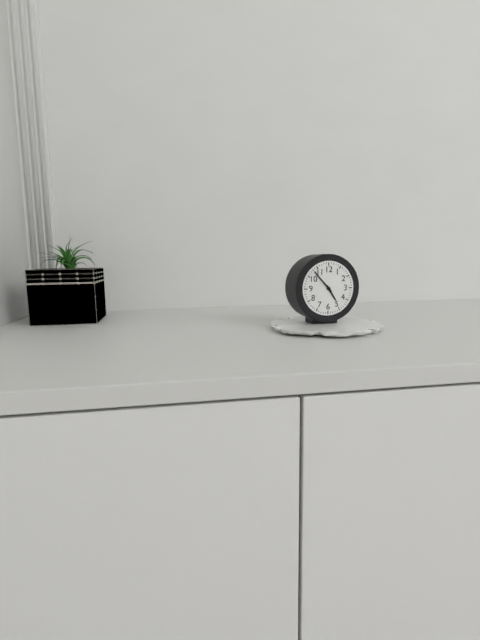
4:53
